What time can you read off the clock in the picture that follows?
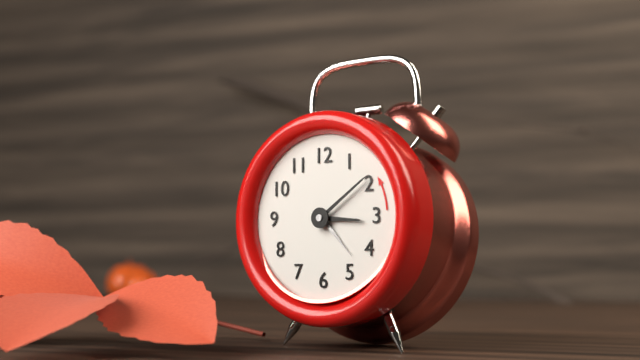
3:09:23
